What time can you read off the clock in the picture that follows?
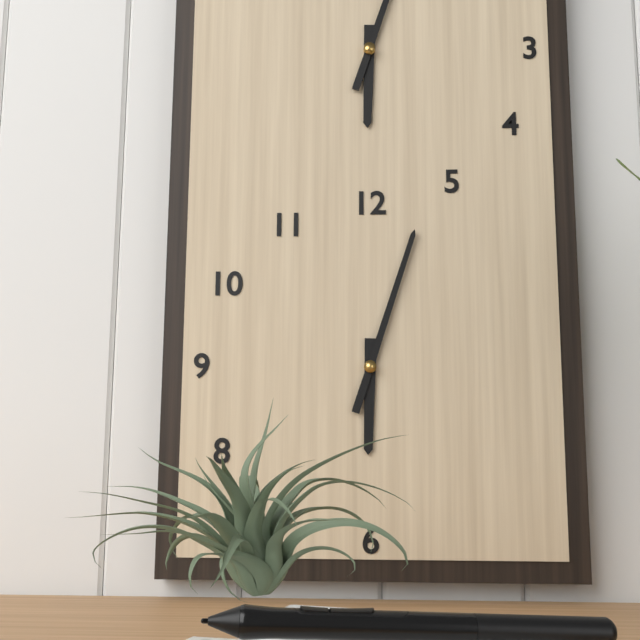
6:03
